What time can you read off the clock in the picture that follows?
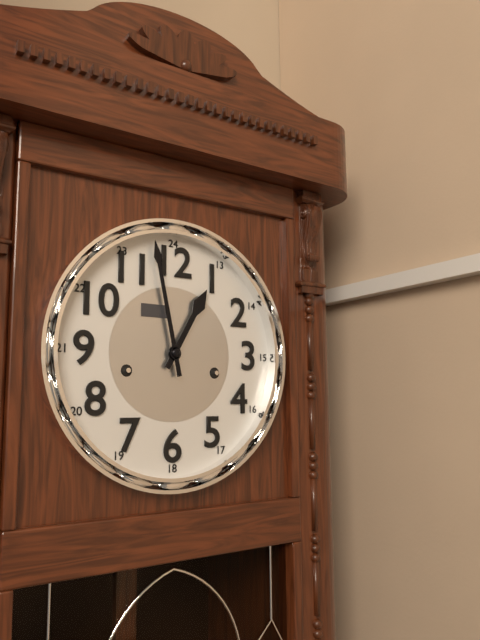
12:58
